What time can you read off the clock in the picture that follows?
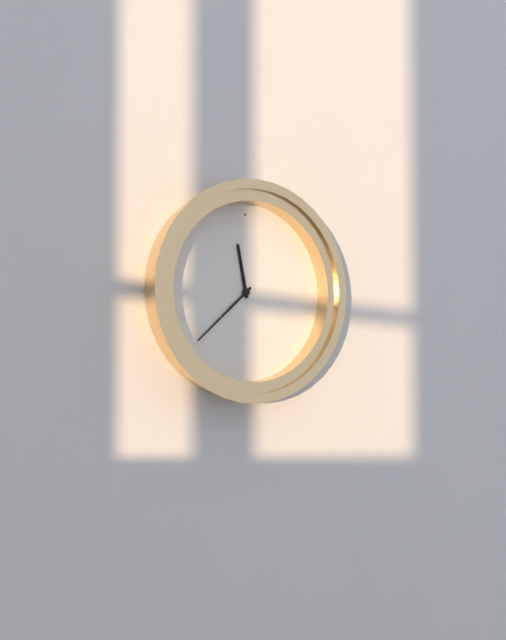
11:38
